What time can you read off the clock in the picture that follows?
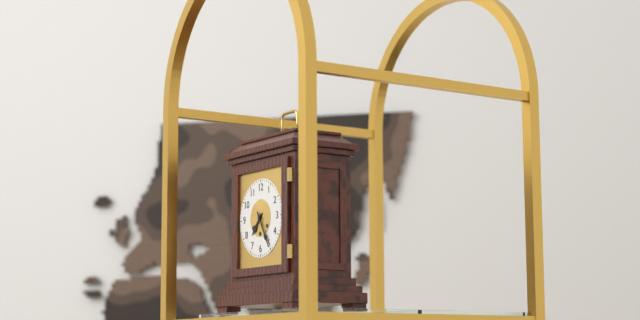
7:25
